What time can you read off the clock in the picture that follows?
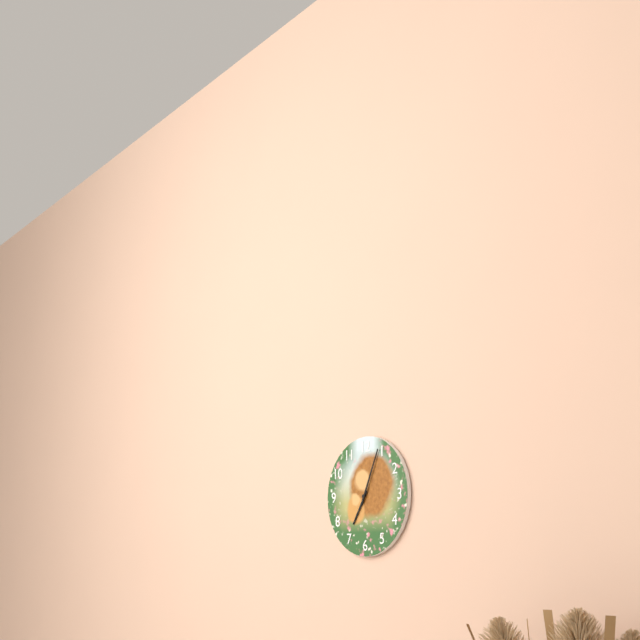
7:04
